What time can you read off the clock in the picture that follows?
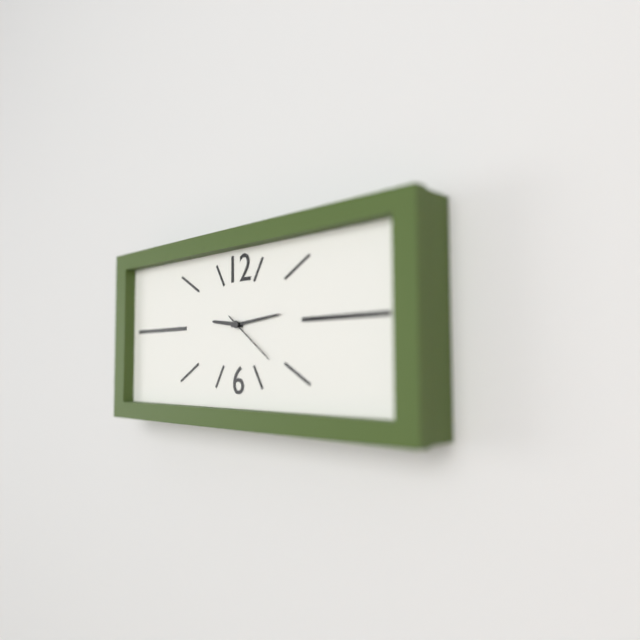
9:14
